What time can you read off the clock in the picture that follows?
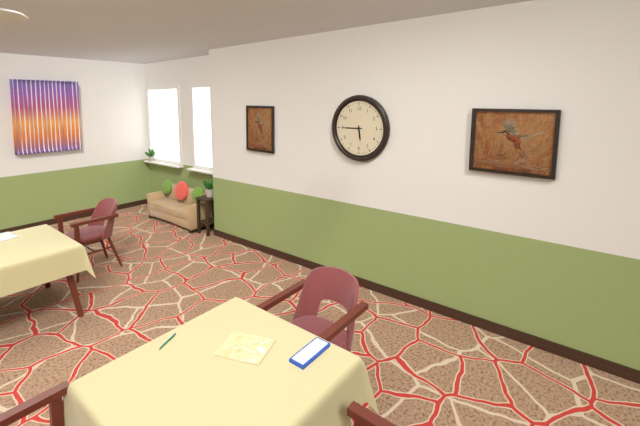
5:45
